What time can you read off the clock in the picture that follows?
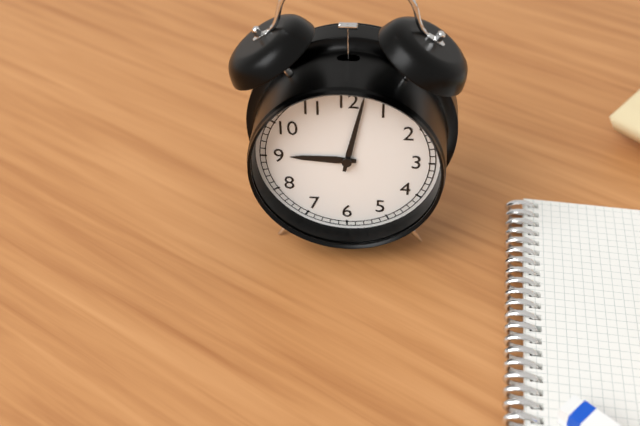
9:02
